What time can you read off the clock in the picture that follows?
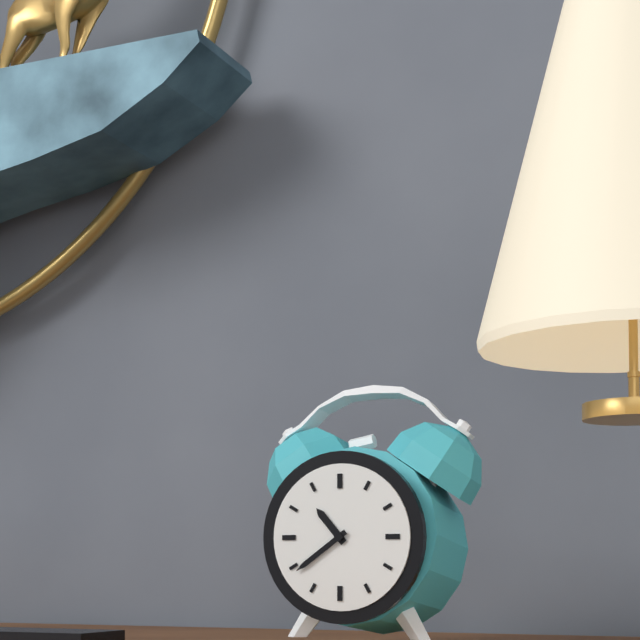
10:39
